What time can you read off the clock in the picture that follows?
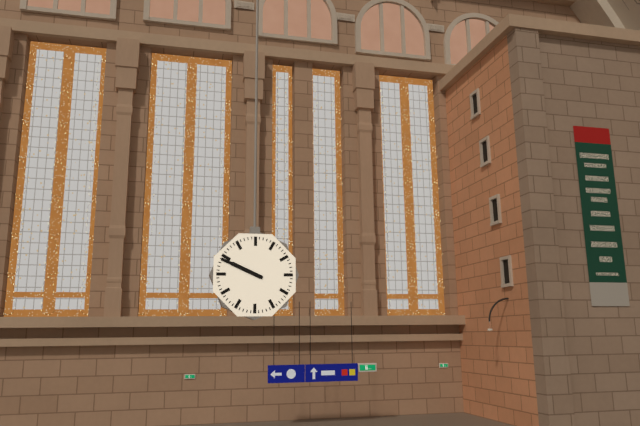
9:49
